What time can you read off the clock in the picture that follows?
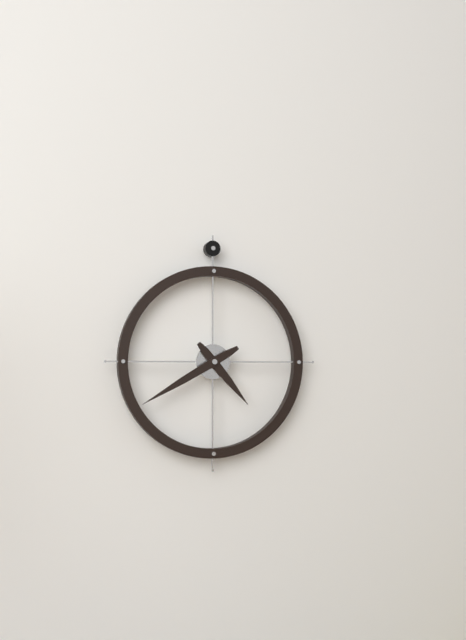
4:40
